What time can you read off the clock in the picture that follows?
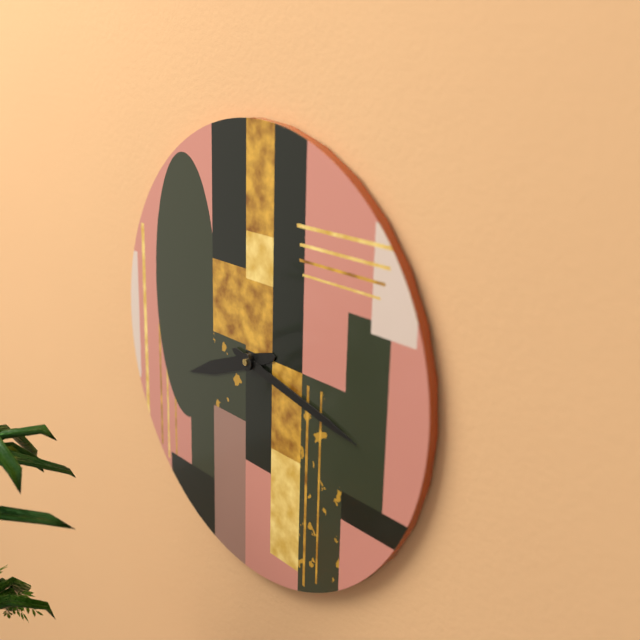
8:17
